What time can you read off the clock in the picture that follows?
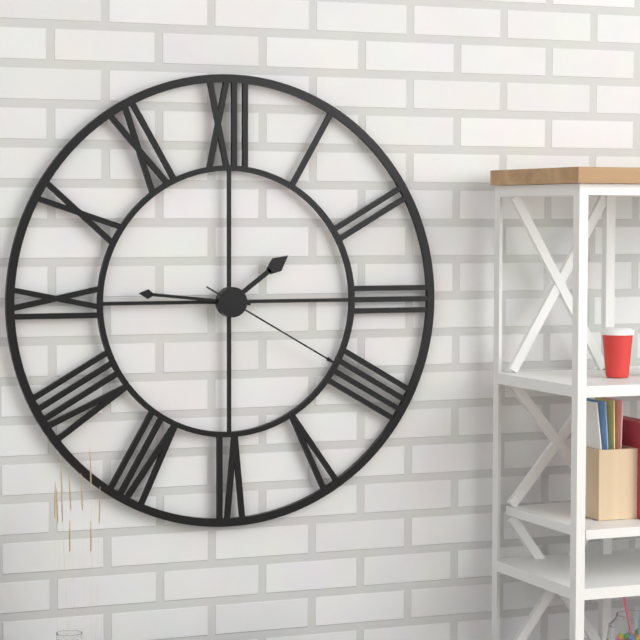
1:46:20
